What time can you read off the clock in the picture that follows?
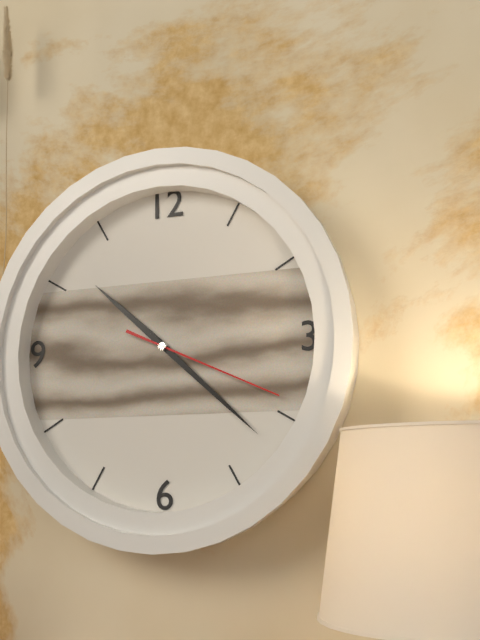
10:22:19
